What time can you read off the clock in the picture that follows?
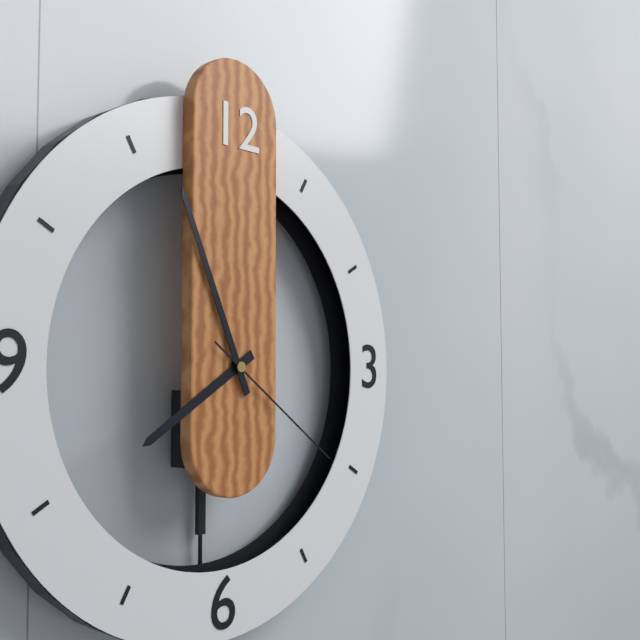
7:56:21
